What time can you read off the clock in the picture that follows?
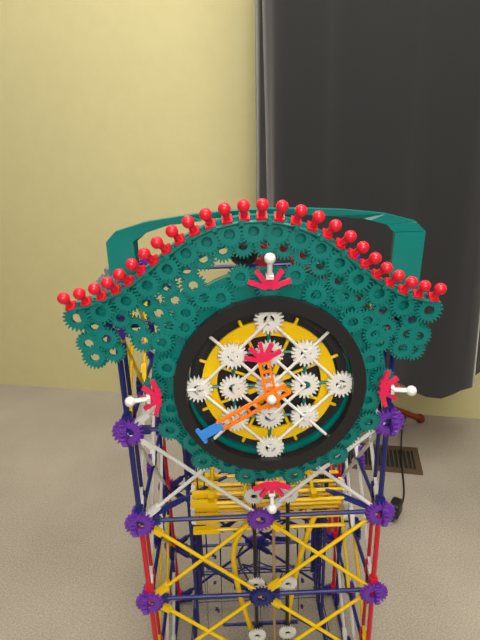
11:40
